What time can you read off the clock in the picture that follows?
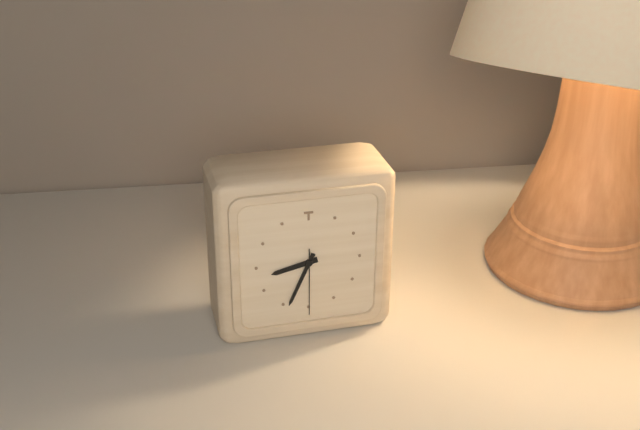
8:34:30
